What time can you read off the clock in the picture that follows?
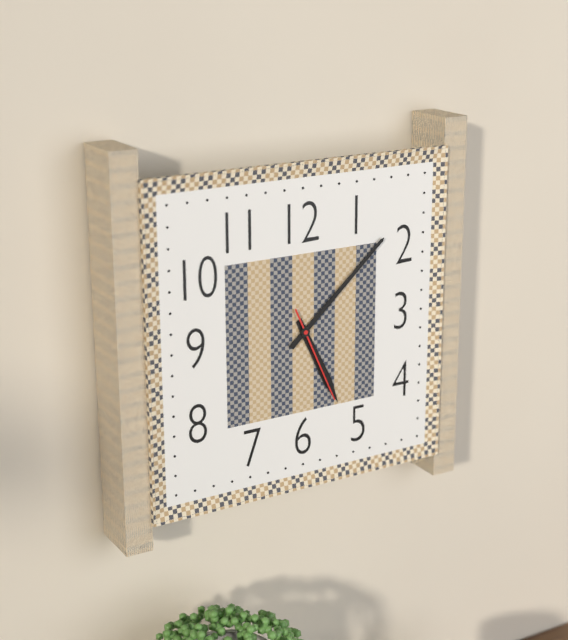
5:08:26
